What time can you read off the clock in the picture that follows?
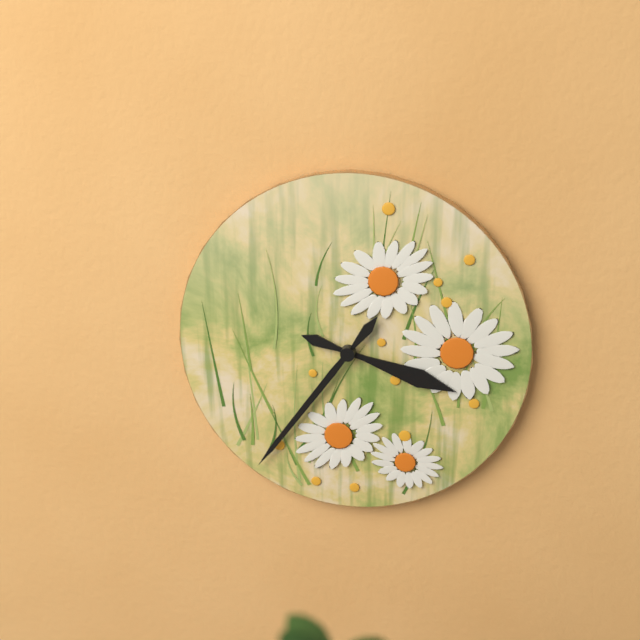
3:36
